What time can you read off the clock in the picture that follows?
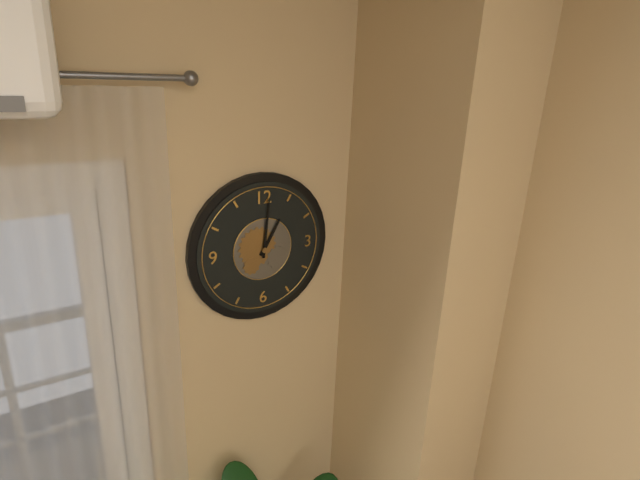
1:01
